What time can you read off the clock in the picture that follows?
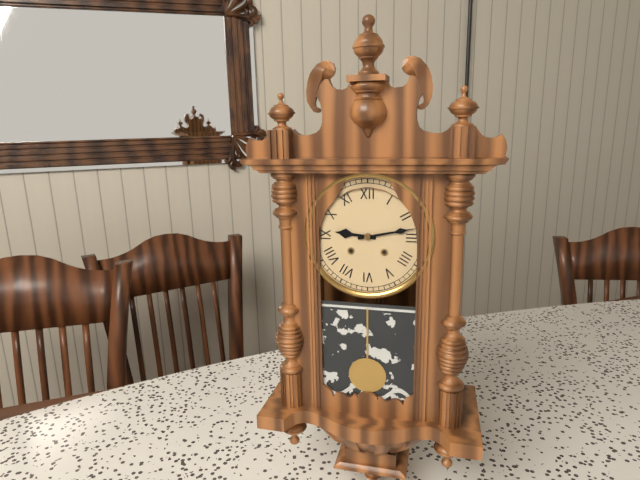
9:13
